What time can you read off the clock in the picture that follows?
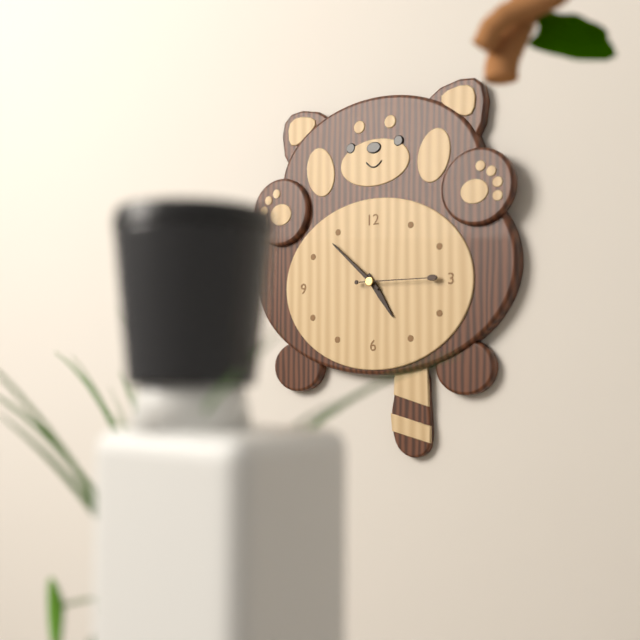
4:52:15
